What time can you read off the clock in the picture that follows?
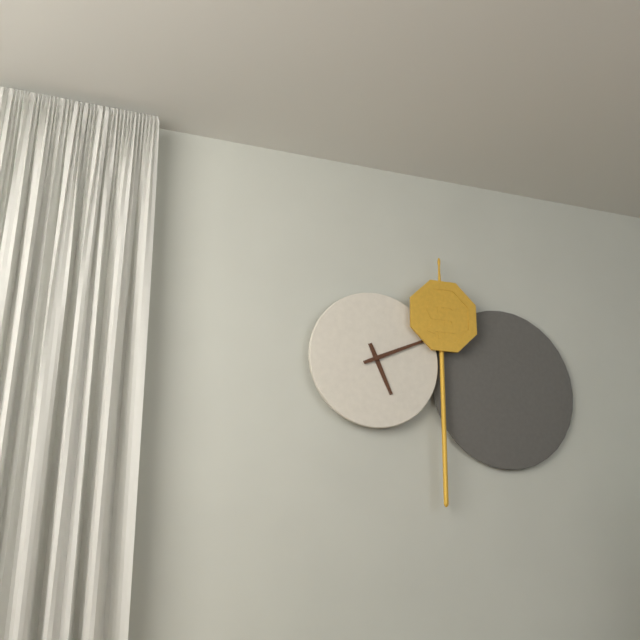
5:11
